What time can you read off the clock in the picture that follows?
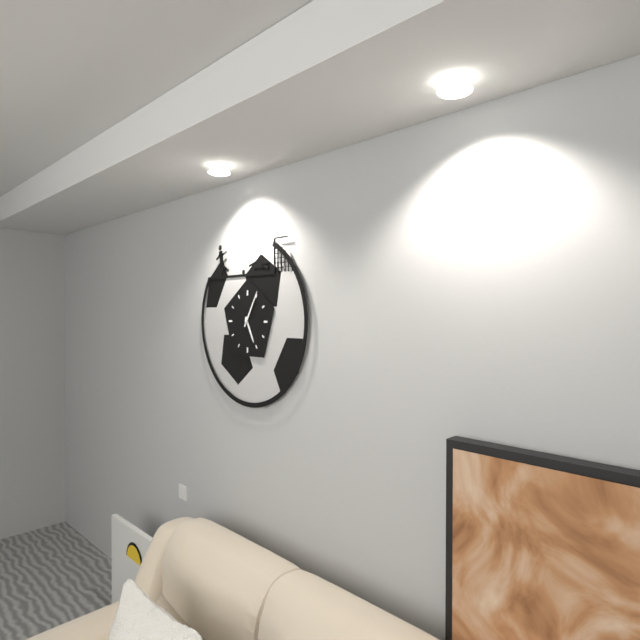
5:05
